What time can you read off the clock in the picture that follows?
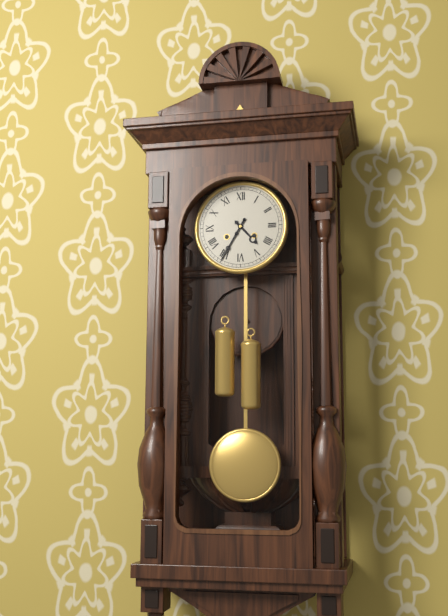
4:35
